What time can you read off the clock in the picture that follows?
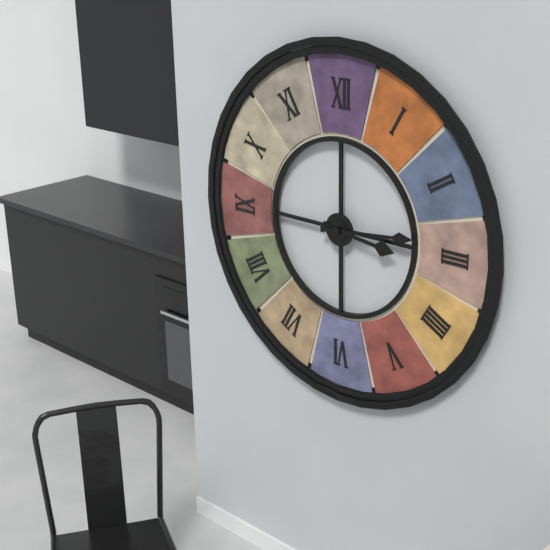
3:14
